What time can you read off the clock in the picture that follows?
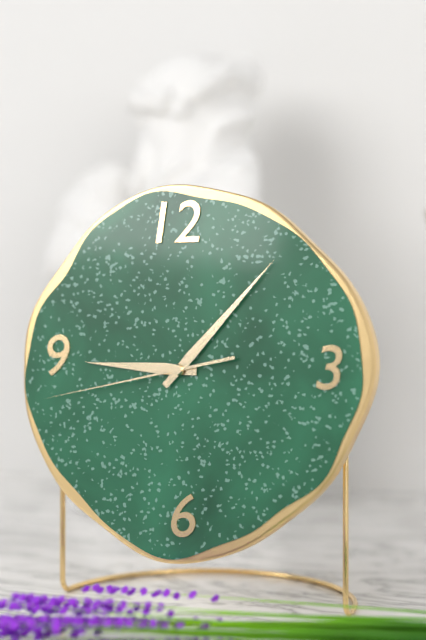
9:07:43
